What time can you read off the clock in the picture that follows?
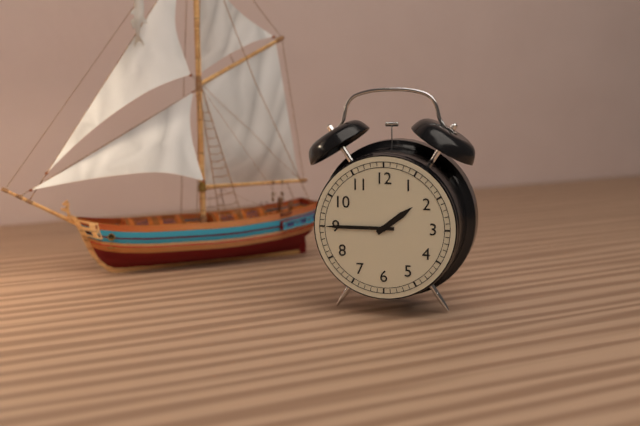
1:45
